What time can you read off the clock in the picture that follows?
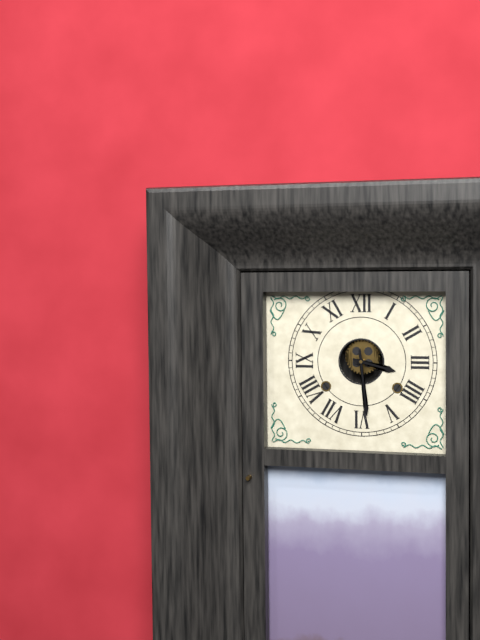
3:29
